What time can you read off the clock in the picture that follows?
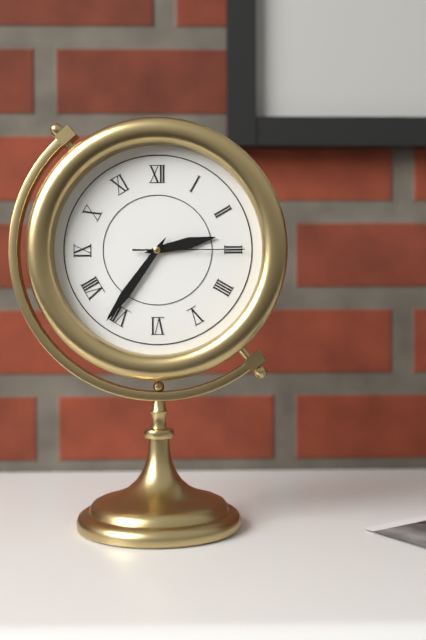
2:36:15
